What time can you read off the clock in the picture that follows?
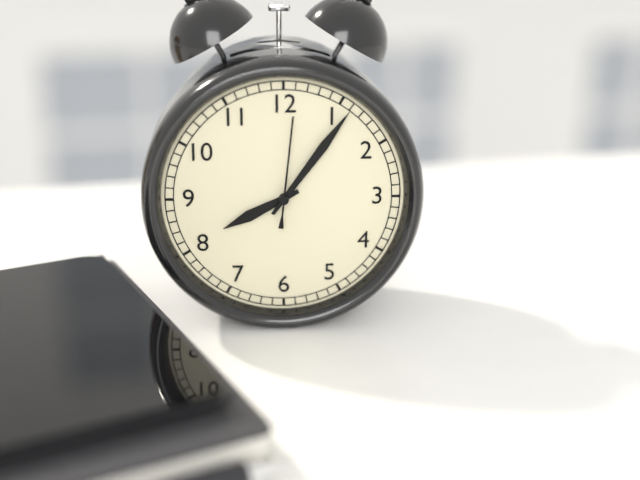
8:06:01
